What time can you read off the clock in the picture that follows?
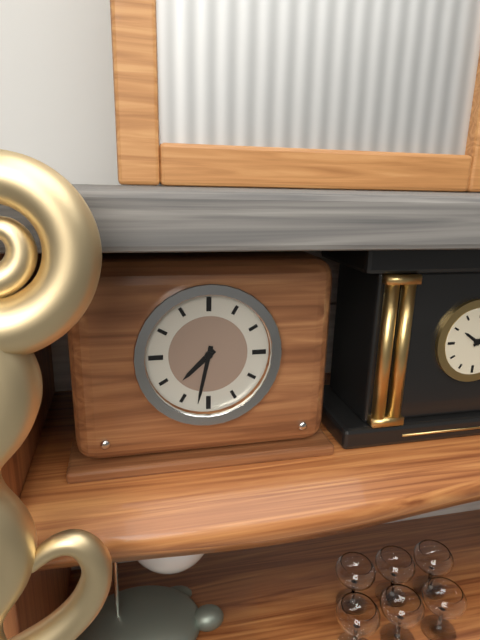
7:32
